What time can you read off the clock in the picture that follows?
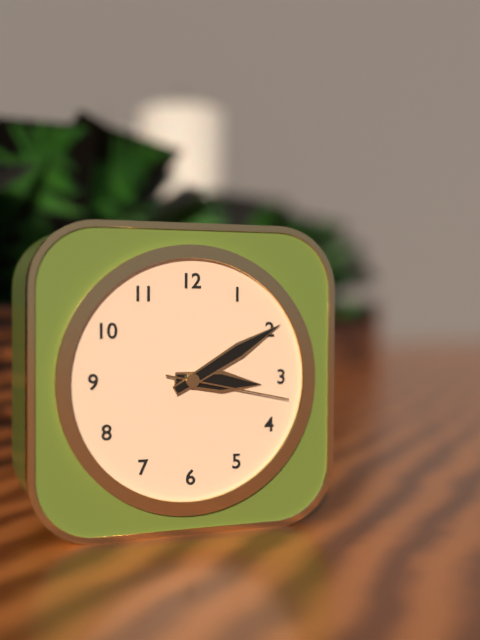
3:10:17
